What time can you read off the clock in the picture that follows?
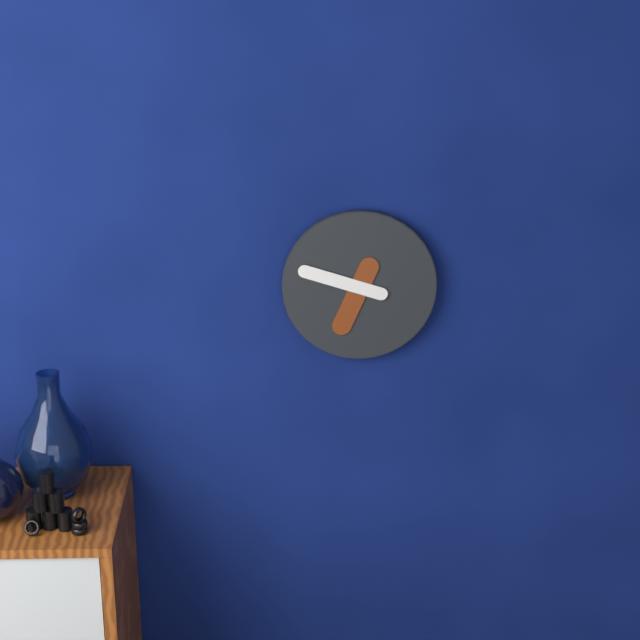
6:48
